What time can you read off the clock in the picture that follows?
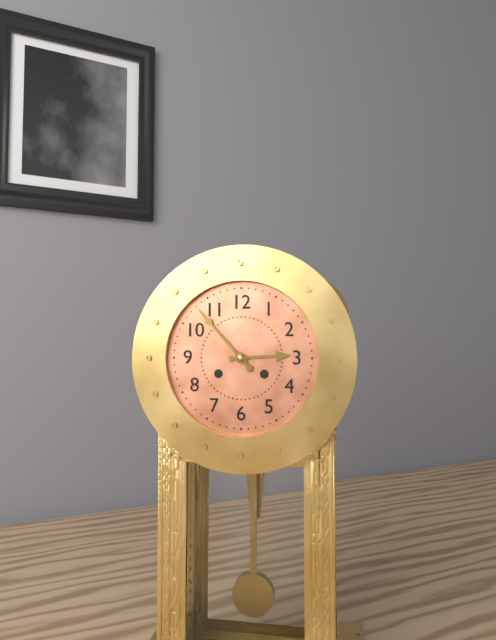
2:53
